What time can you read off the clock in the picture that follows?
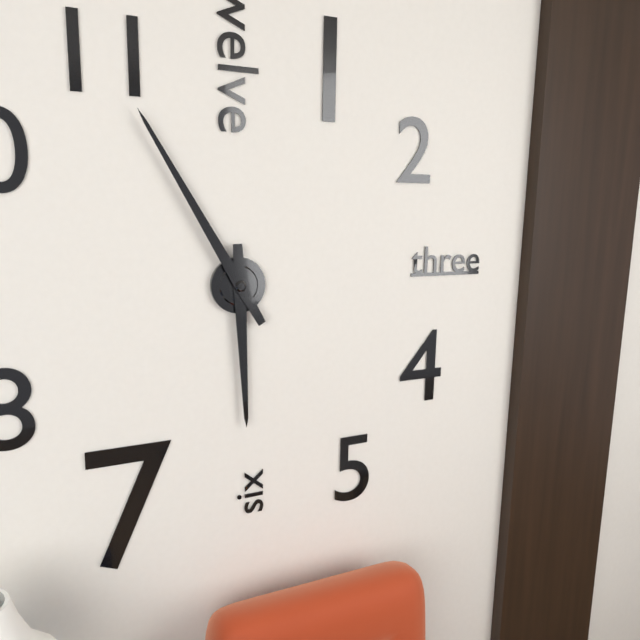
5:55
